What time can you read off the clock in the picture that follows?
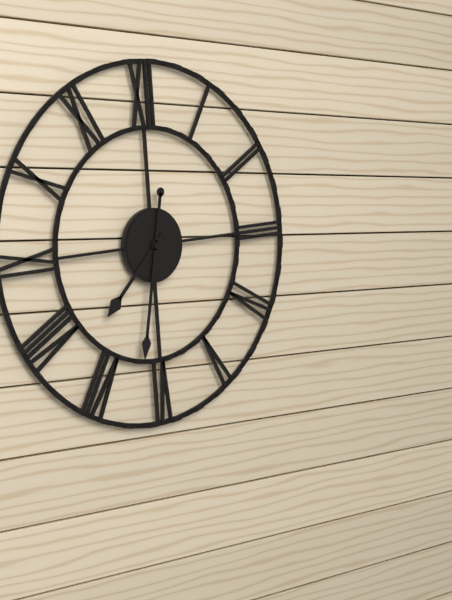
7:32
